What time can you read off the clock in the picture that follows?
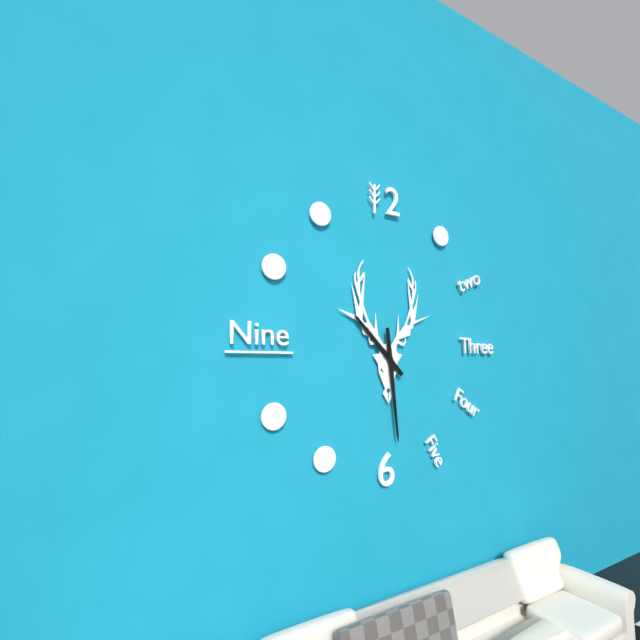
10:29
